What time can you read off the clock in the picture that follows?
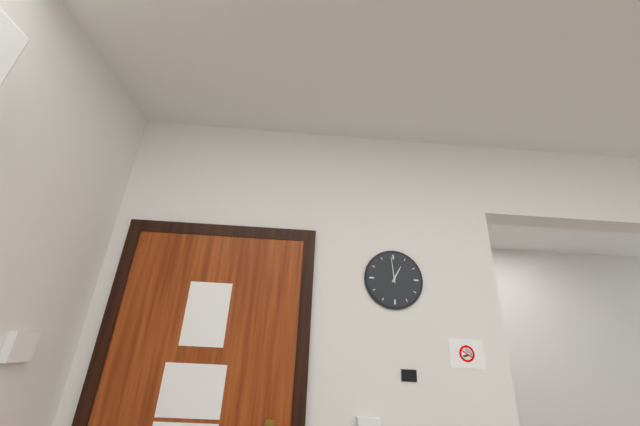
12:59
